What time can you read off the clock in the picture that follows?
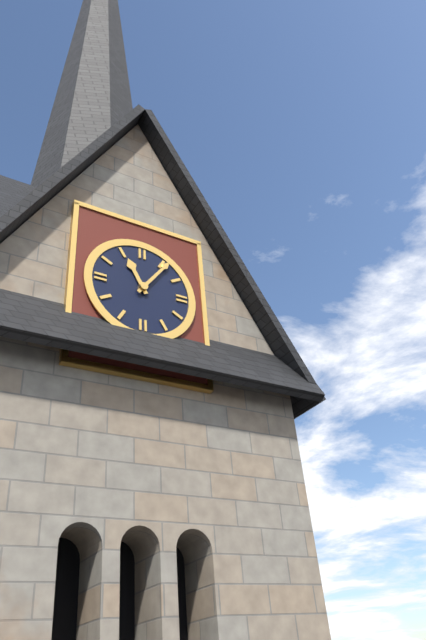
11:06
